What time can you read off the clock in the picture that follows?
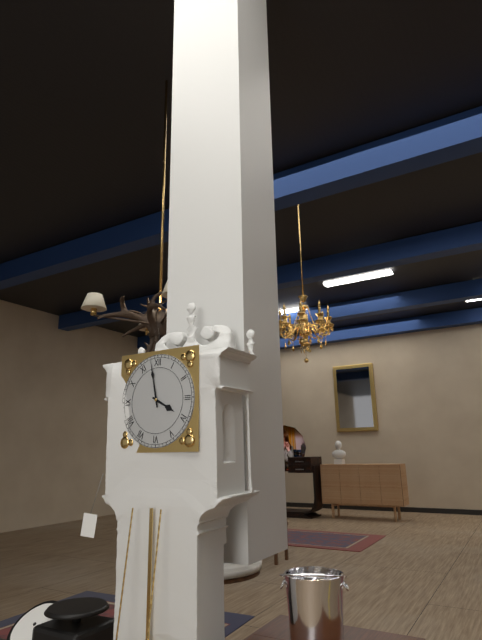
3:58
